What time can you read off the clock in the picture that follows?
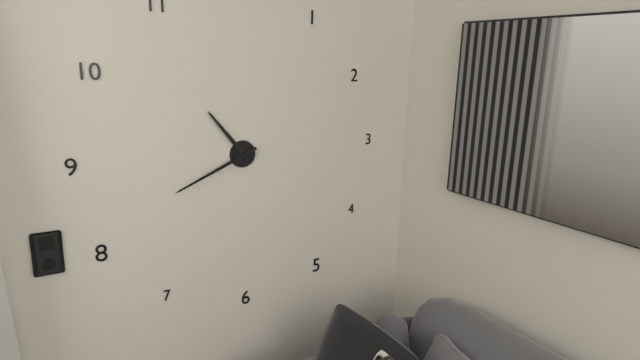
10:41
